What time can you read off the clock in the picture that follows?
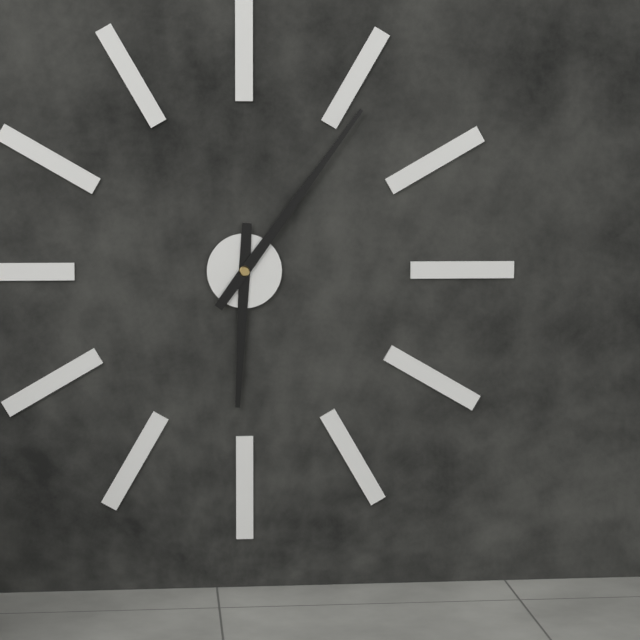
6:06
